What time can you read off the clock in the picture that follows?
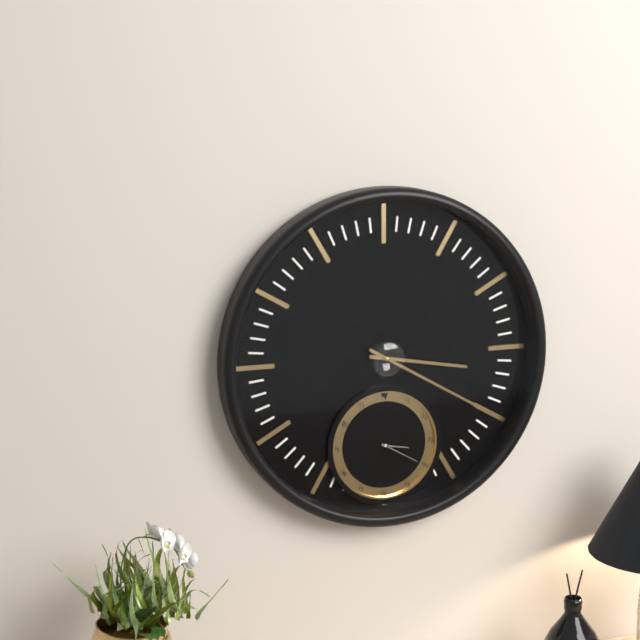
3:20
